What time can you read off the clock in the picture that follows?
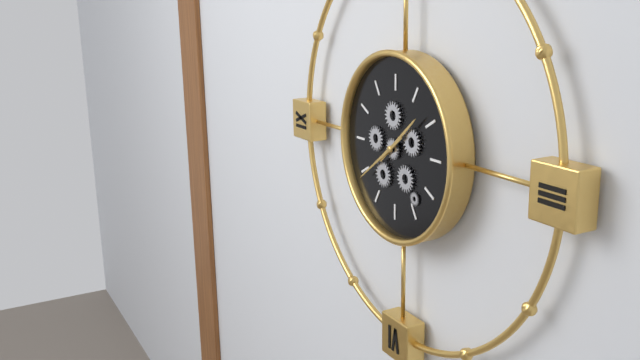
1:39
